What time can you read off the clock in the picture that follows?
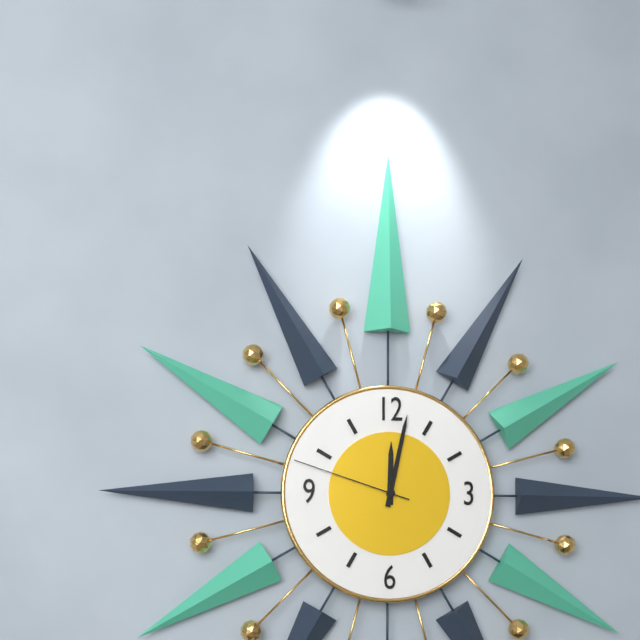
12:02:48
